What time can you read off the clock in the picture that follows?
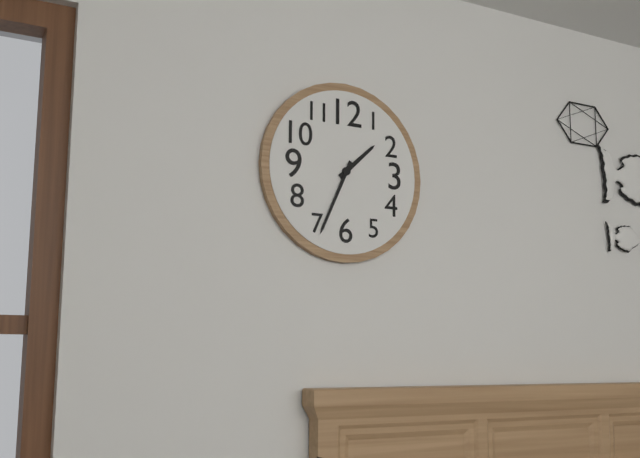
1:34
